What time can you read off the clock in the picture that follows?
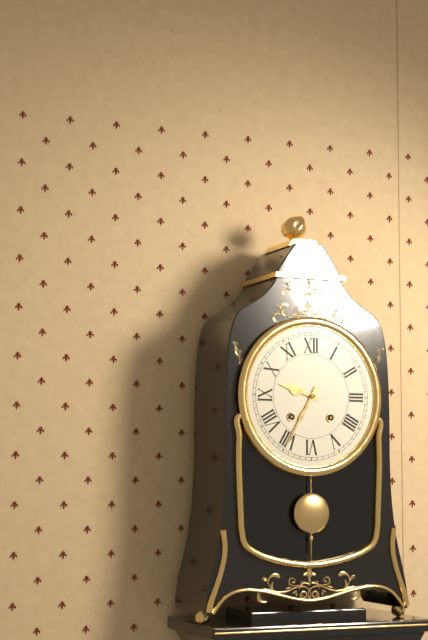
9:35
